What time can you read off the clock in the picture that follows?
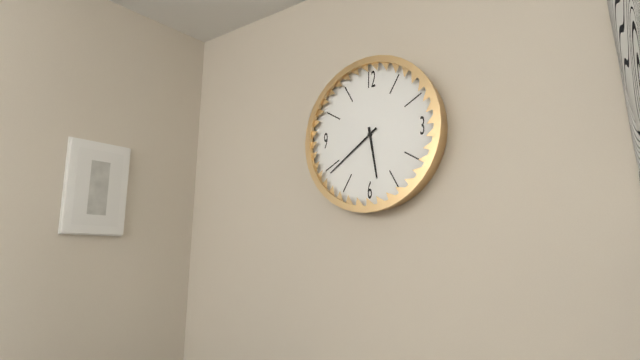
5:39
